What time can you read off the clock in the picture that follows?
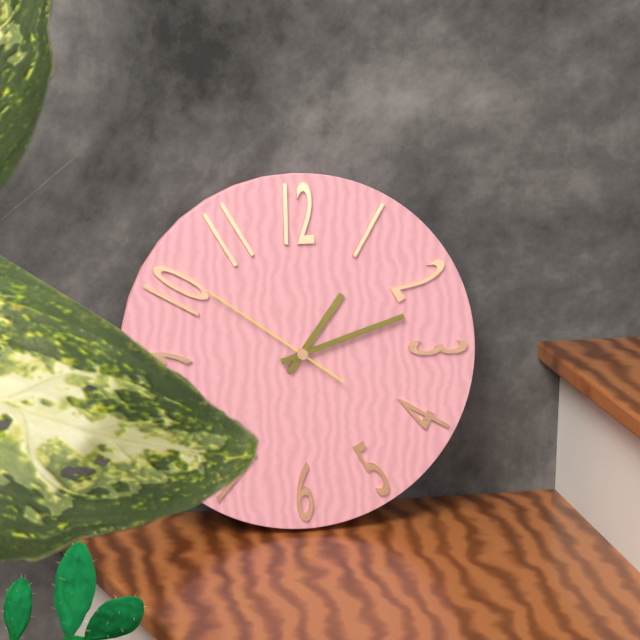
1:12:51
